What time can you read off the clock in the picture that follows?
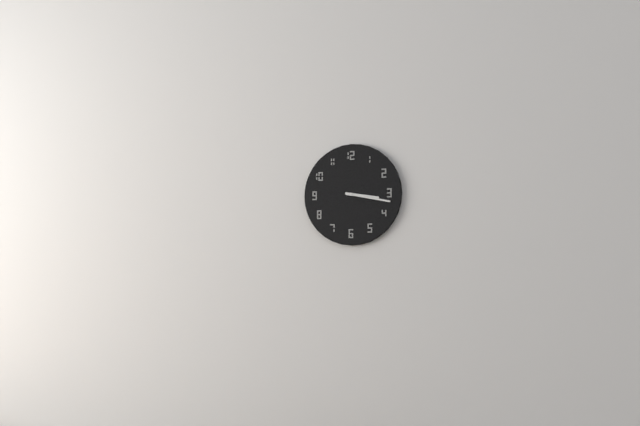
3:17
